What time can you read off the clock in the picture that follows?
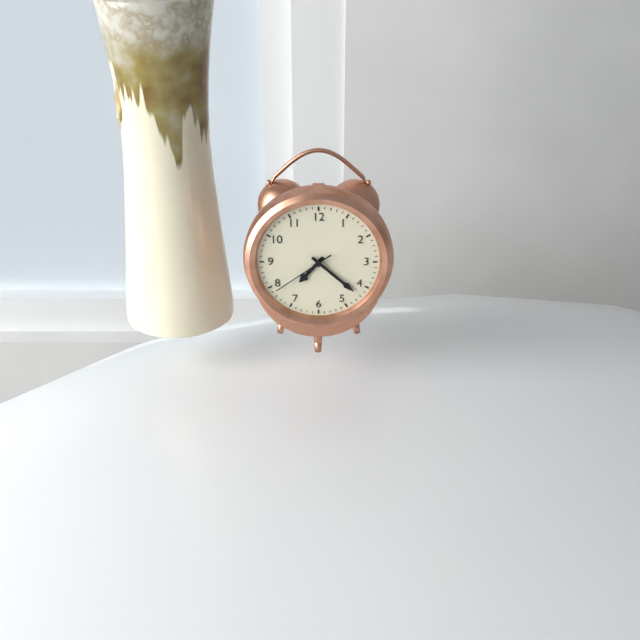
7:22:39
